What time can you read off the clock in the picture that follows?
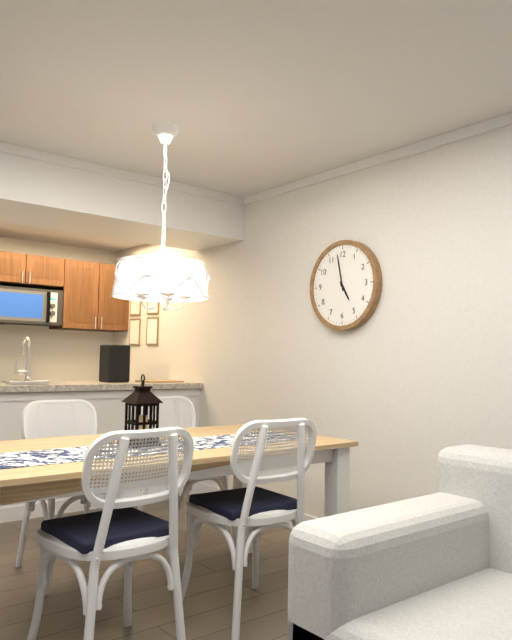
4:58
